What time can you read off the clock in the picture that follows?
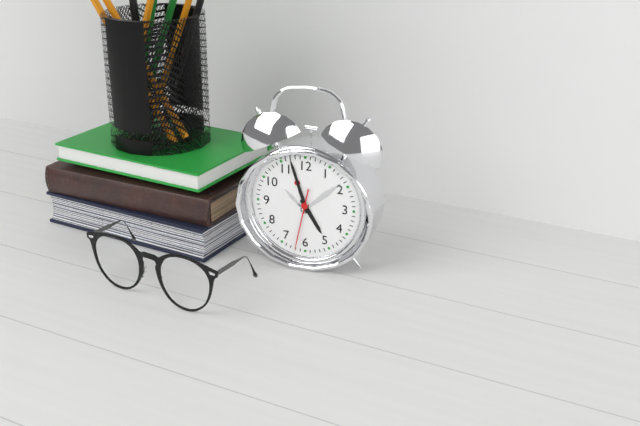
4:57:32
